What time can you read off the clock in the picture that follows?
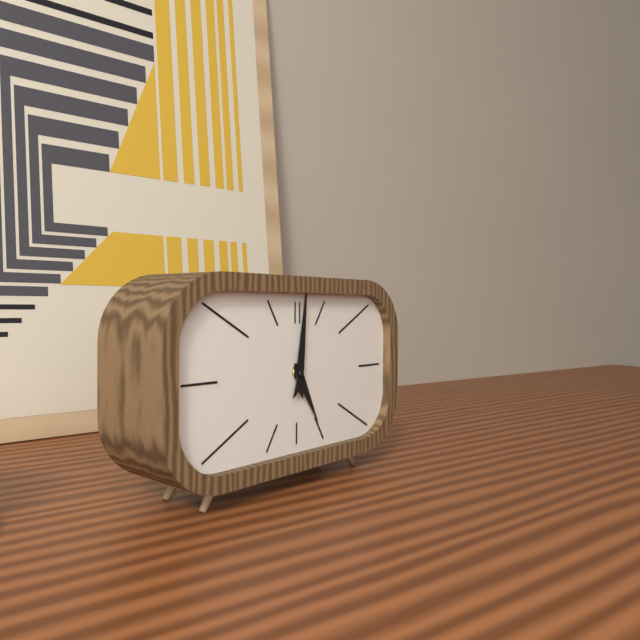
5:01
